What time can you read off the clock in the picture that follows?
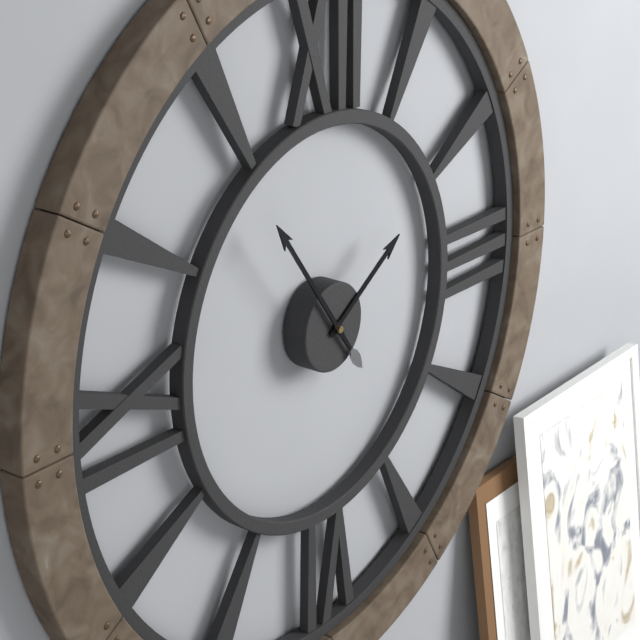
1:54
